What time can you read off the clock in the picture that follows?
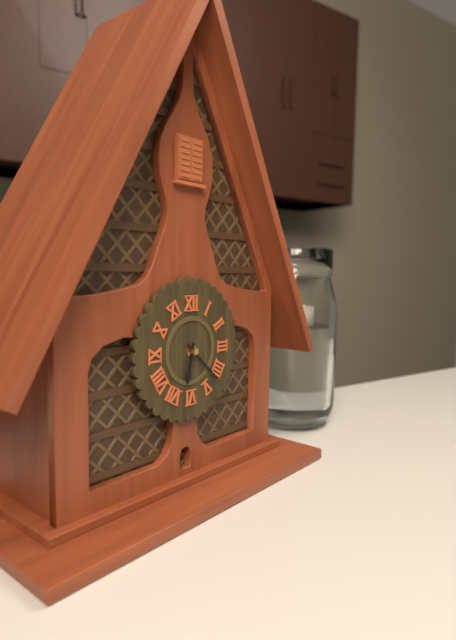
6:22
